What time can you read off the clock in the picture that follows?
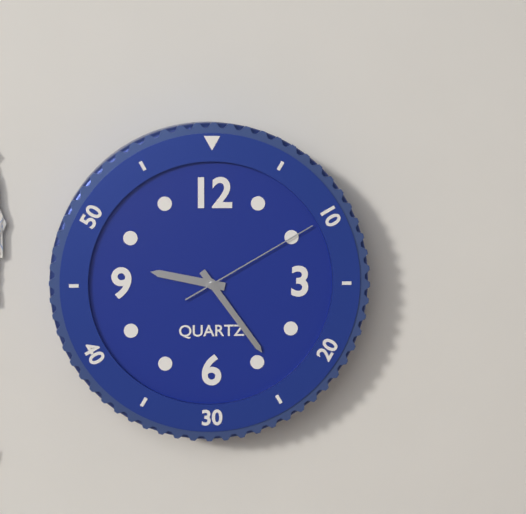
9:24:10
